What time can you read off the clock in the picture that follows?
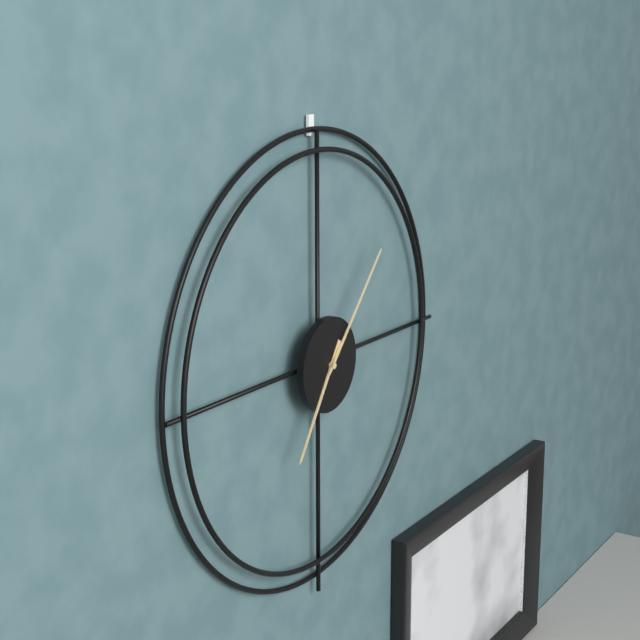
7:07
